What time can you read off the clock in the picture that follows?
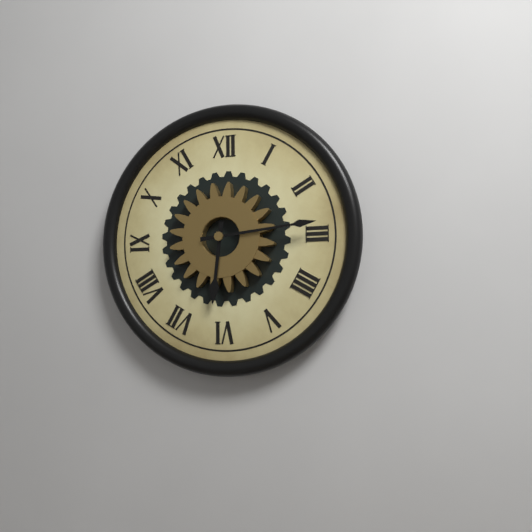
6:14
